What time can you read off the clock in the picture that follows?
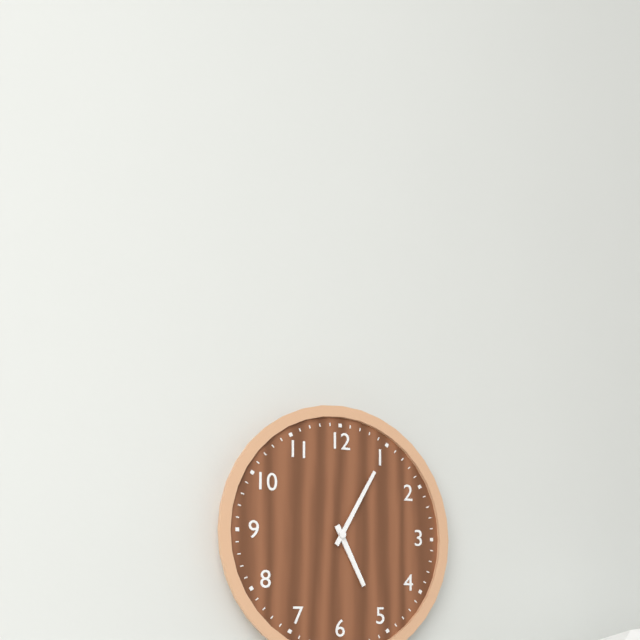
5:05
